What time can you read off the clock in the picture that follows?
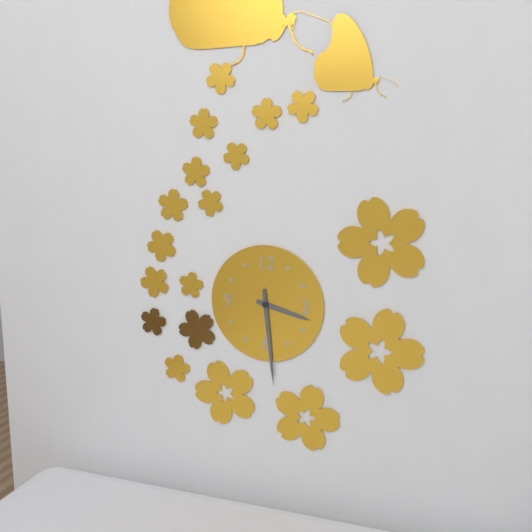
3:29
